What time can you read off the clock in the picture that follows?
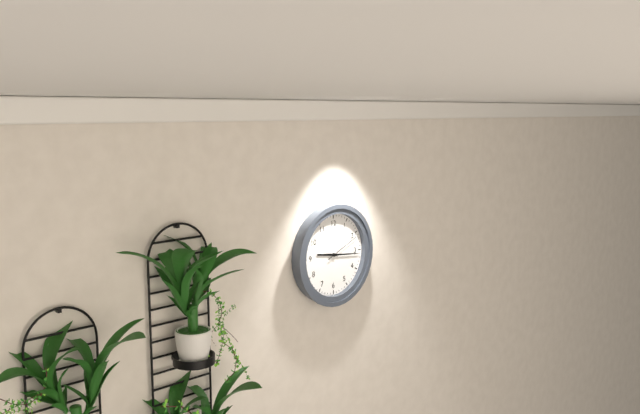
9:16
